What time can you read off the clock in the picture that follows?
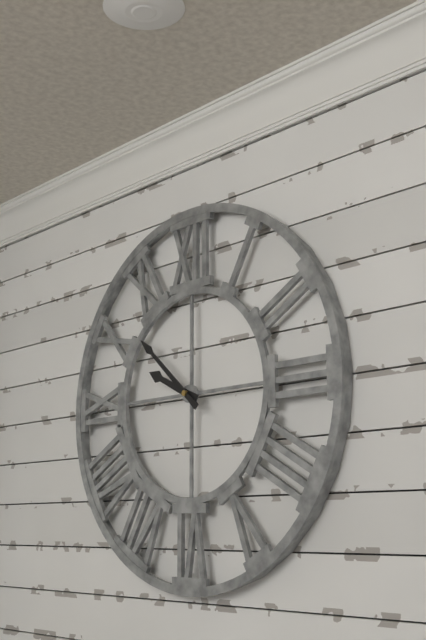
9:52
